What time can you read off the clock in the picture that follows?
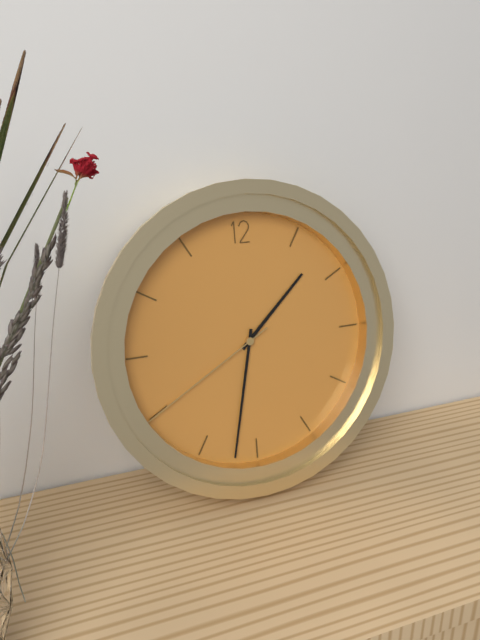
1:32:40
